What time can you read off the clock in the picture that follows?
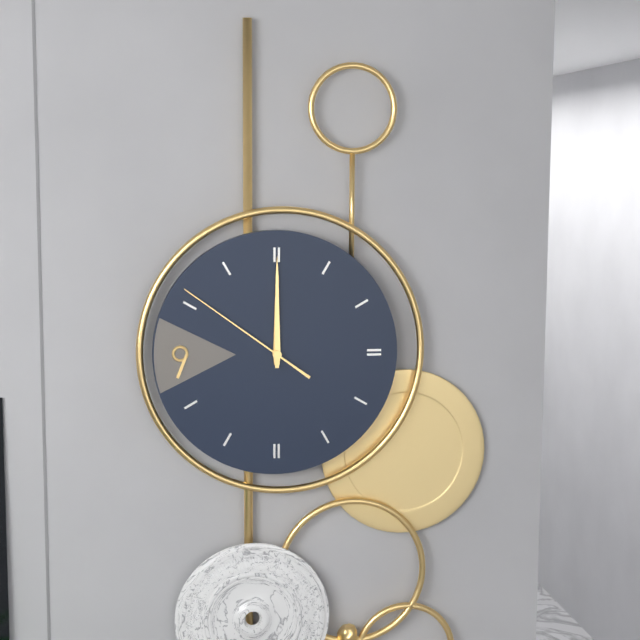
12:00:51
